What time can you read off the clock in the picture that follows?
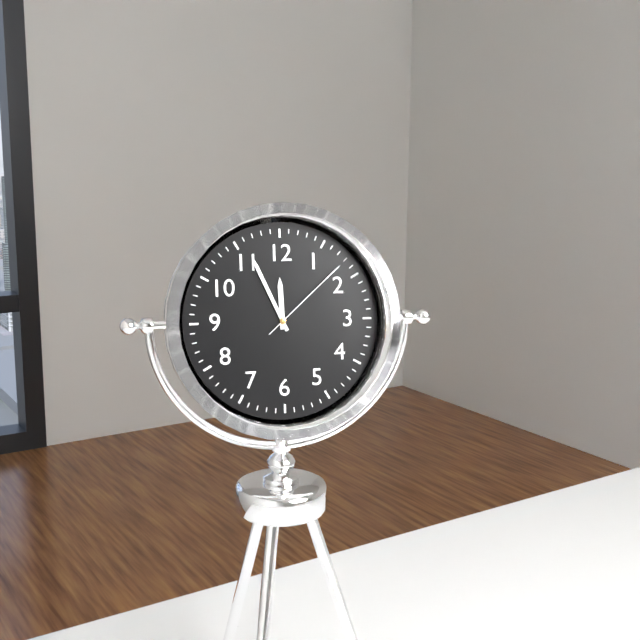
11:56:08
